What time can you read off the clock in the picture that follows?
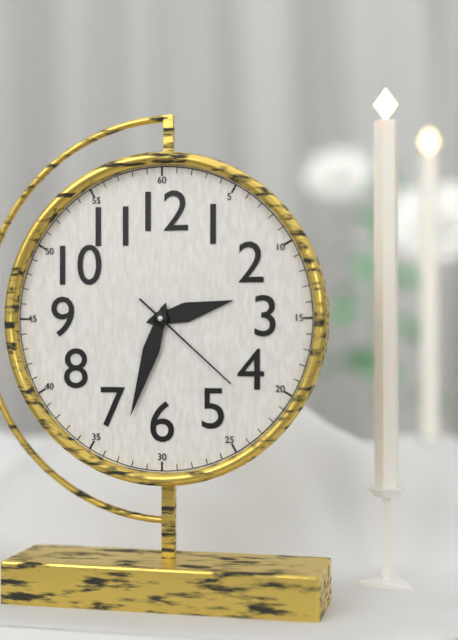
2:33:22
